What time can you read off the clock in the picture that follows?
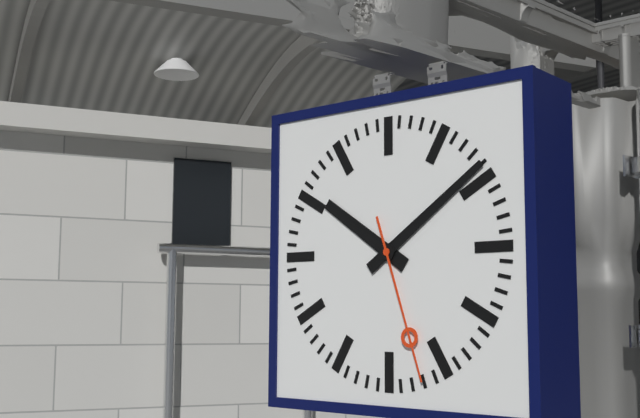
10:09:27
